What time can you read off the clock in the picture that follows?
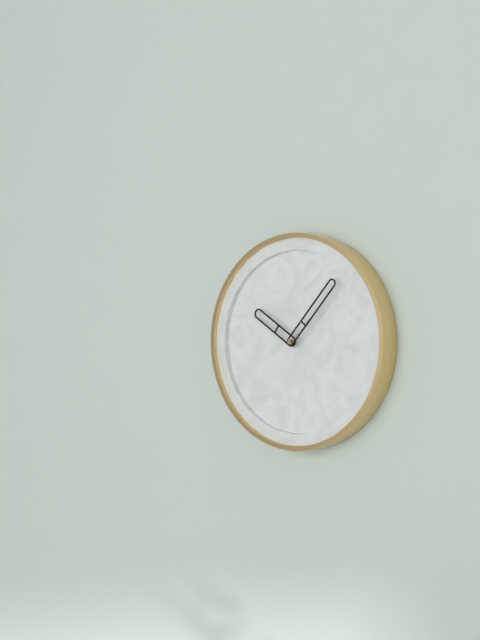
10:07
